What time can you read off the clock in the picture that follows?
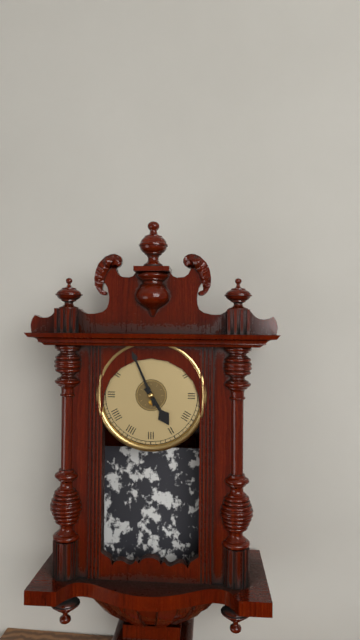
4:56
